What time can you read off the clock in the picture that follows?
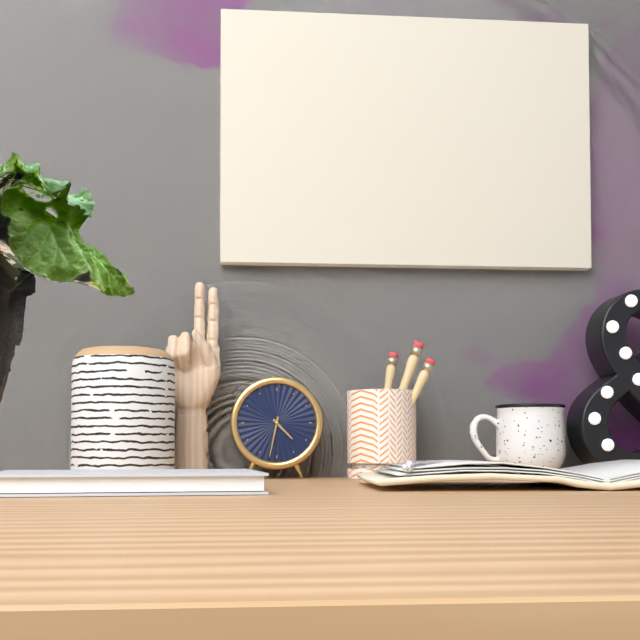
4:32
